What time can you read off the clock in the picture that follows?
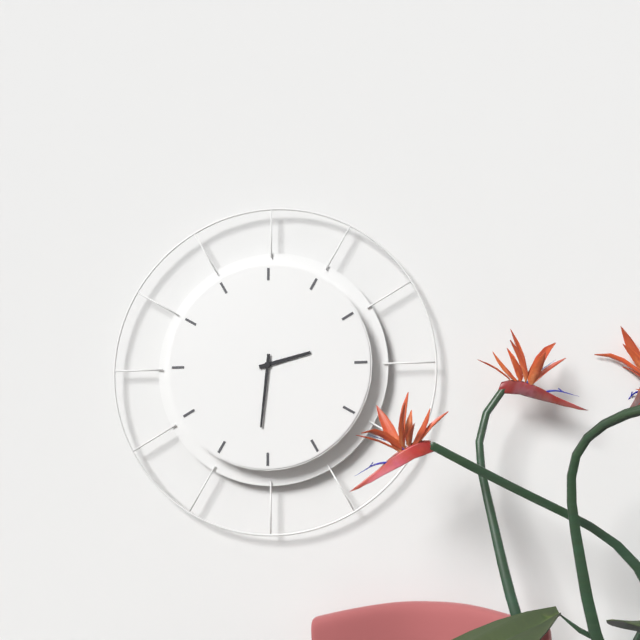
2:31
